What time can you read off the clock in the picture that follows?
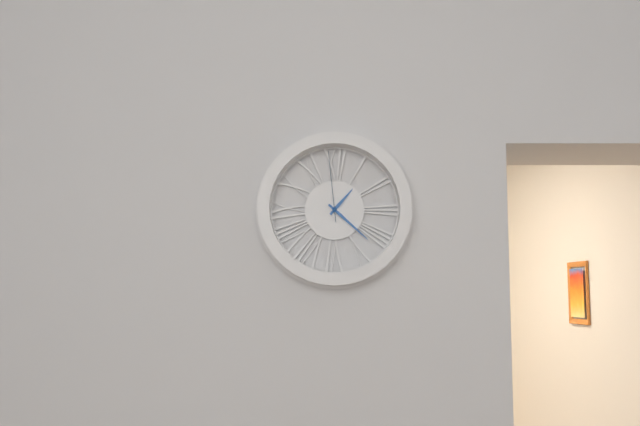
1:22:59
